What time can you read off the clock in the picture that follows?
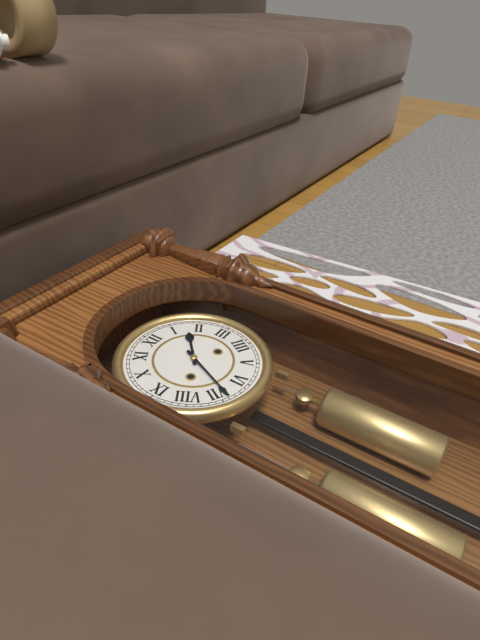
1:34
